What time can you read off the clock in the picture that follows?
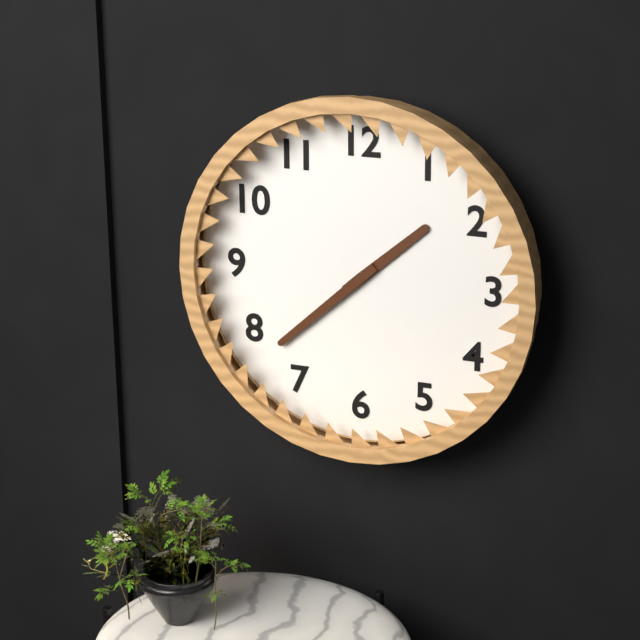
1:38
